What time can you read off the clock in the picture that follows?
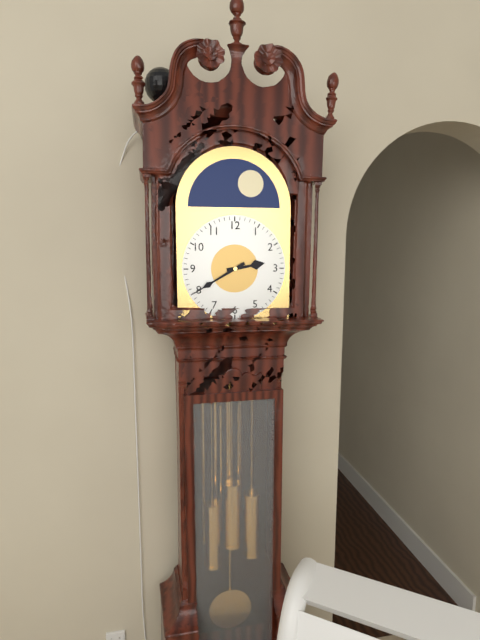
2:40
